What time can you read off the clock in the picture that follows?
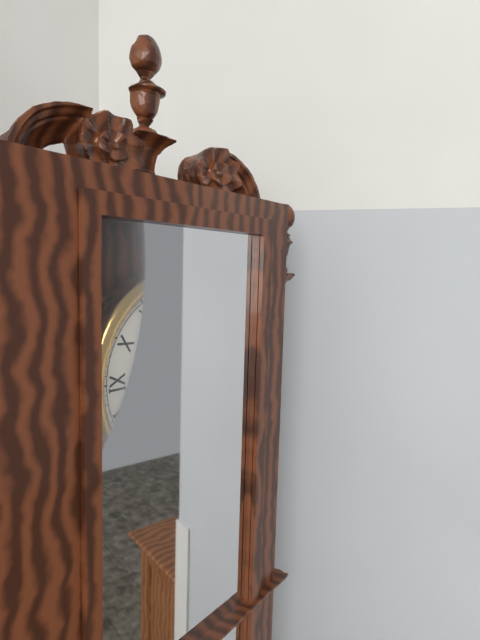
5:37
